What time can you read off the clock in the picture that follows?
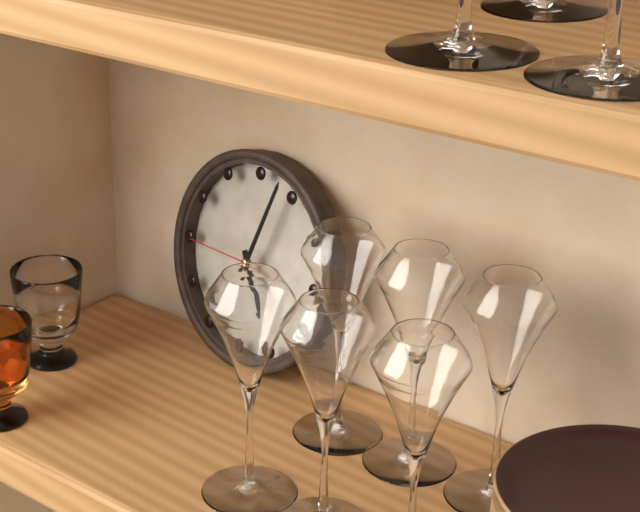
5:03:45
